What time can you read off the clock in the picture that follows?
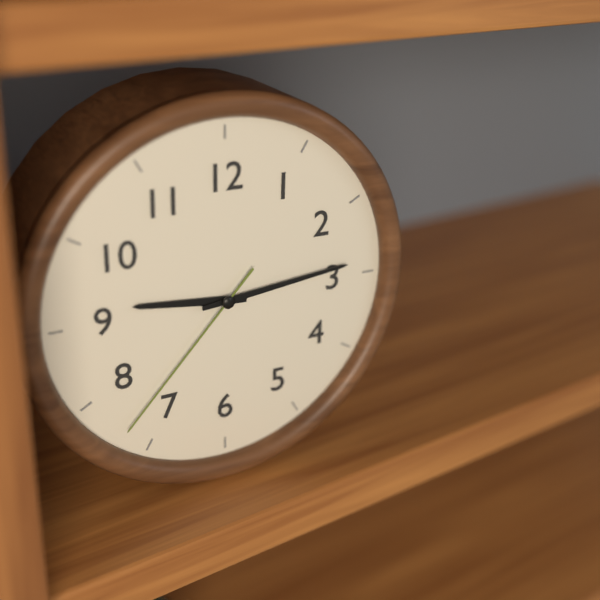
9:14:37
